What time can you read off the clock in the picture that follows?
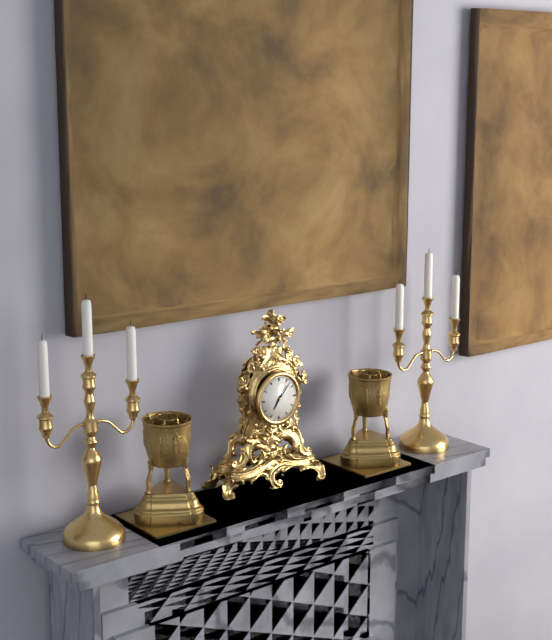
7:07
